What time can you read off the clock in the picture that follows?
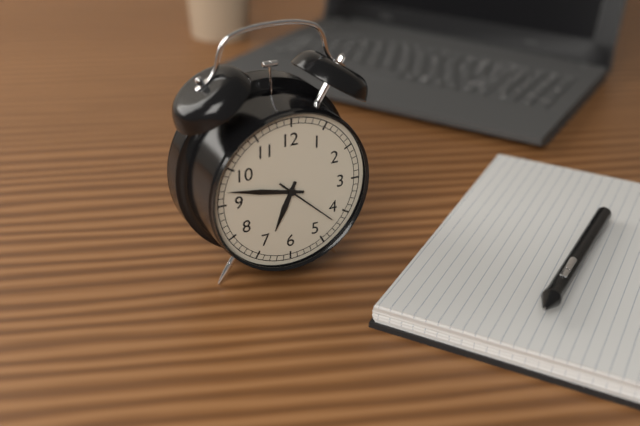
6:47:22
